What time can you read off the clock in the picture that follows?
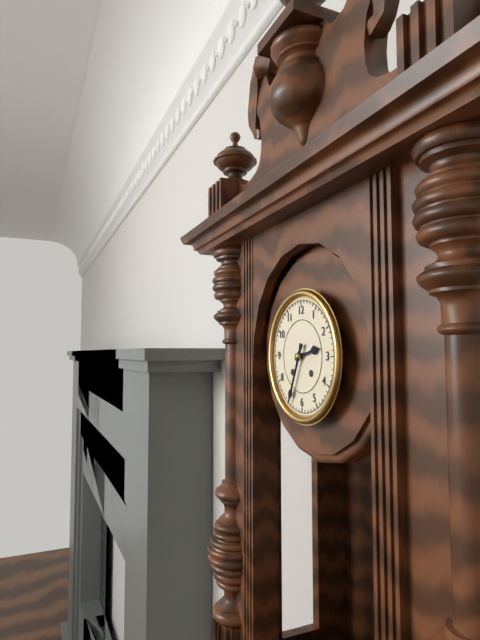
2:34
